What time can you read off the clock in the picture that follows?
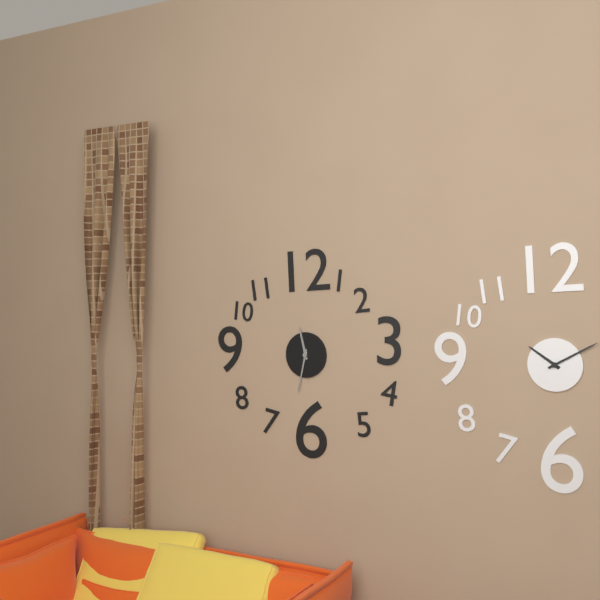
11:32
